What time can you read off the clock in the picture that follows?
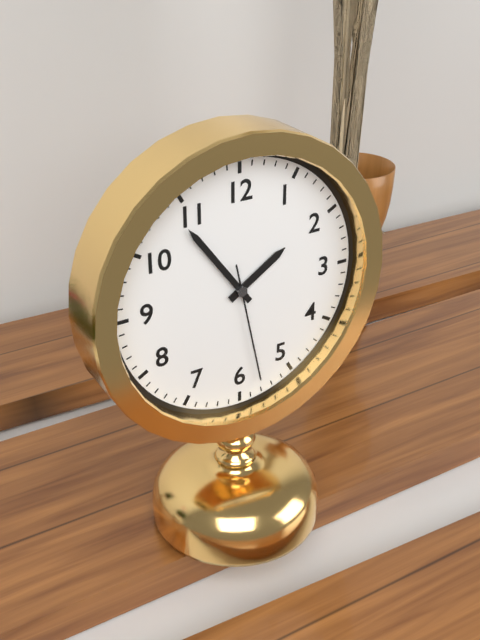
1:54:28
